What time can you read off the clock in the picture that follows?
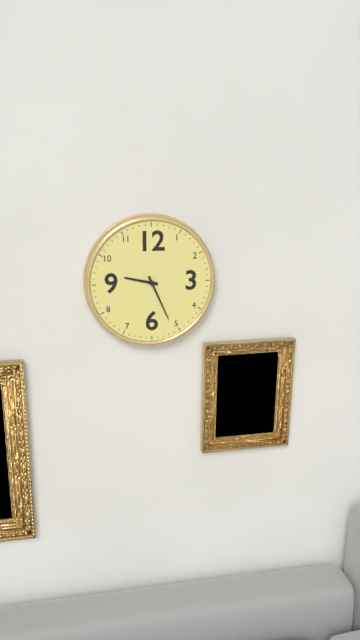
9:26
